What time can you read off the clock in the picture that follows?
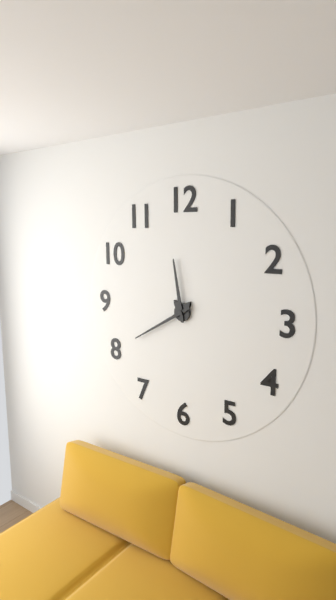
11:40
